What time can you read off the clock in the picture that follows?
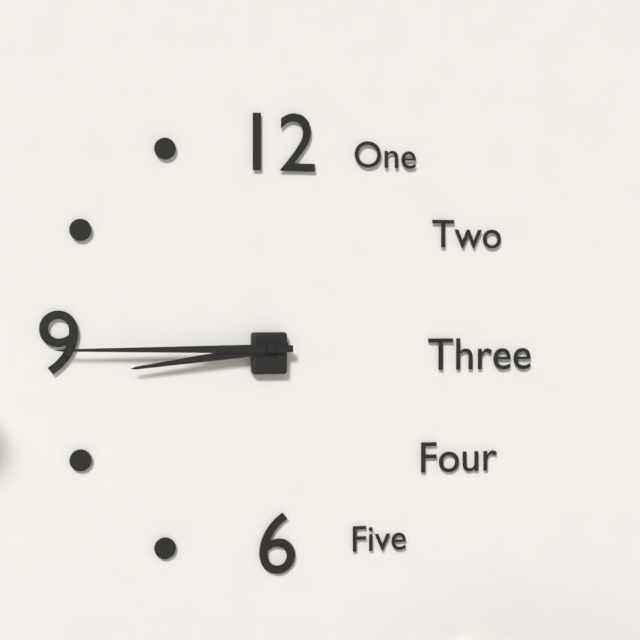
8:45
